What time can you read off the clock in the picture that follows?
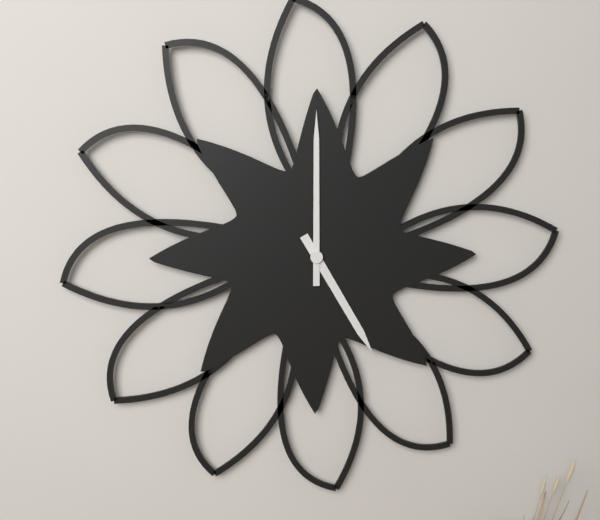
5:00
